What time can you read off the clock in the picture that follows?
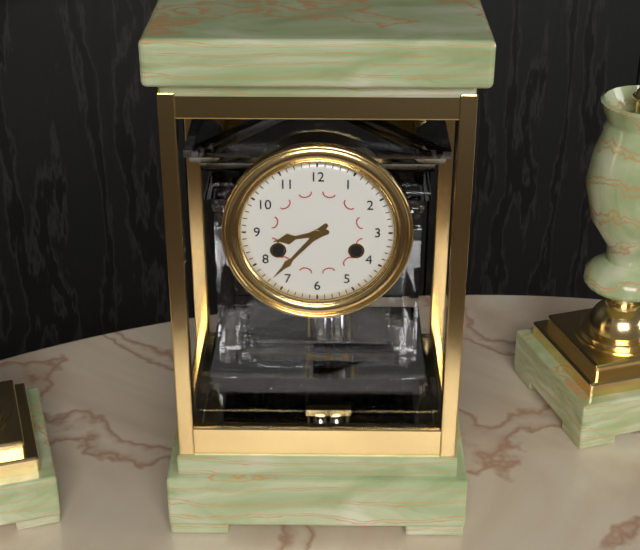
8:37
